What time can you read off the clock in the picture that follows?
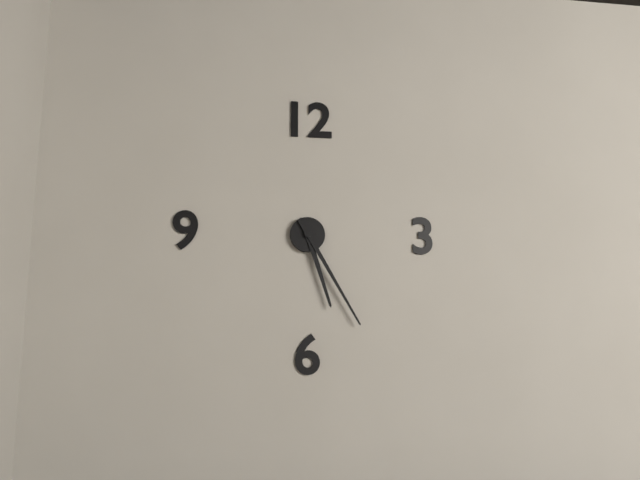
5:25
